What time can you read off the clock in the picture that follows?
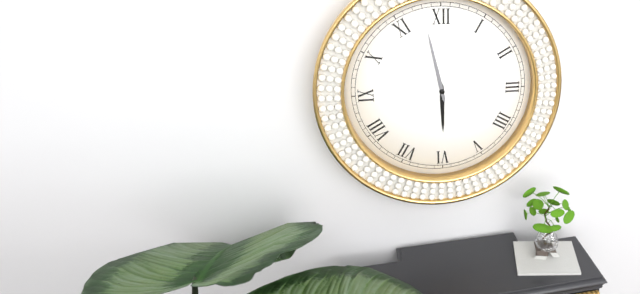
5:58
